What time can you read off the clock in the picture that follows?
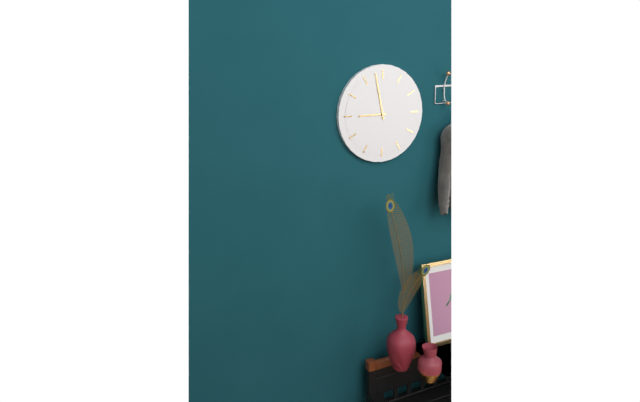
8:58
